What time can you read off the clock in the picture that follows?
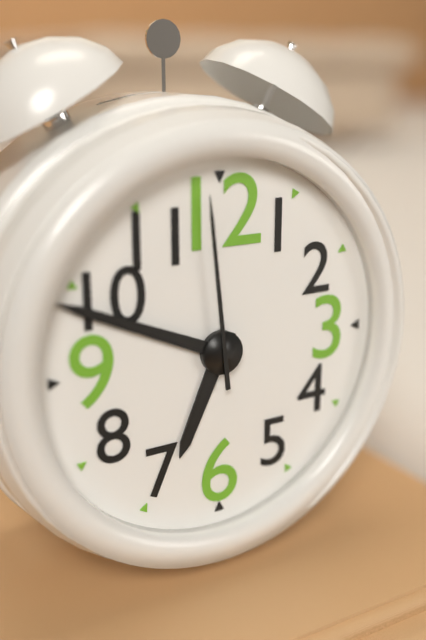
6:49:59
